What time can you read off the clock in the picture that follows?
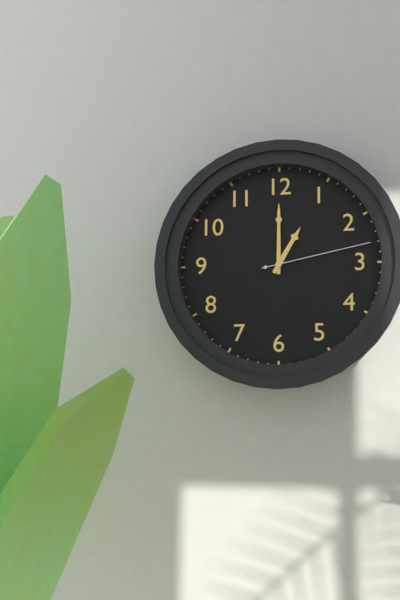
1:00:13
